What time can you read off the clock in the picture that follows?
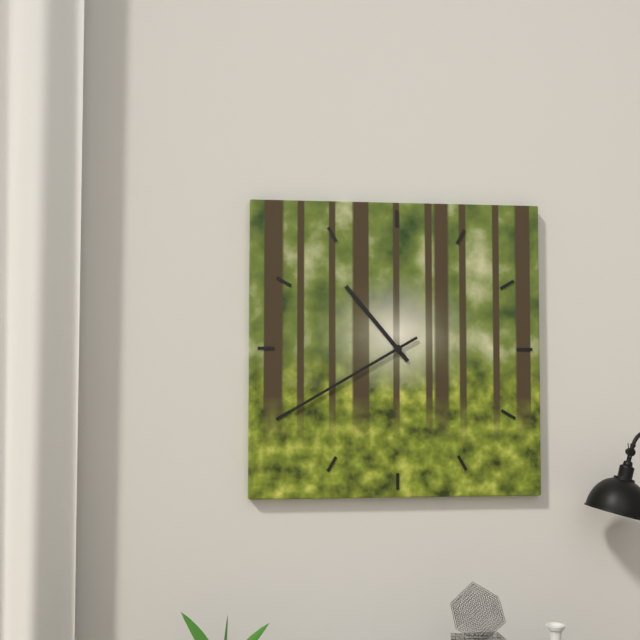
10:40
